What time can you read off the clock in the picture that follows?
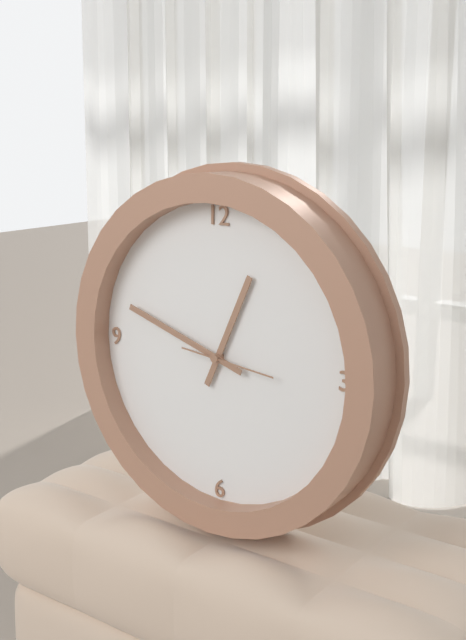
12:48:16
